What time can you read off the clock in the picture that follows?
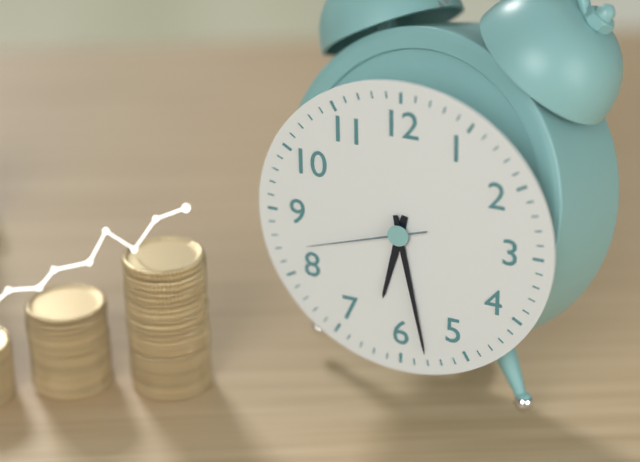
6:28:42
